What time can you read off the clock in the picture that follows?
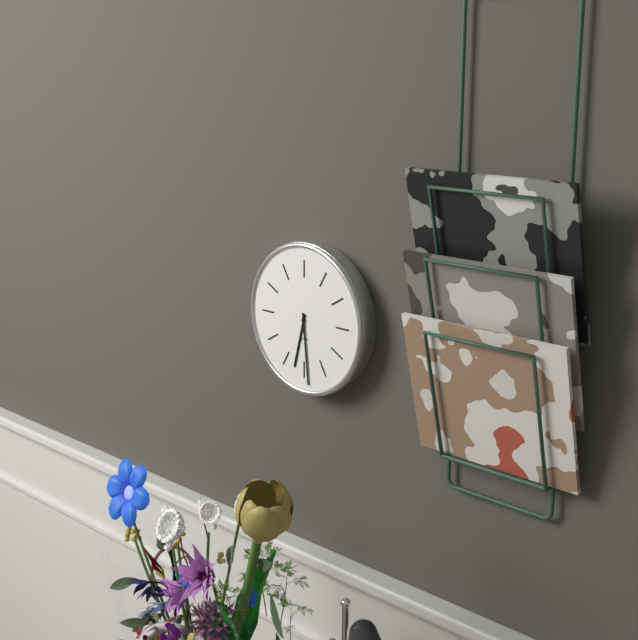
6:29
